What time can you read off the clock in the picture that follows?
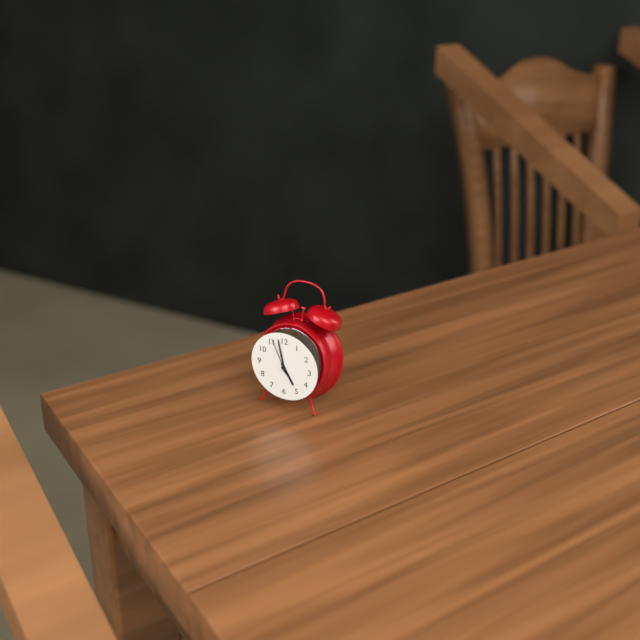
4:58
